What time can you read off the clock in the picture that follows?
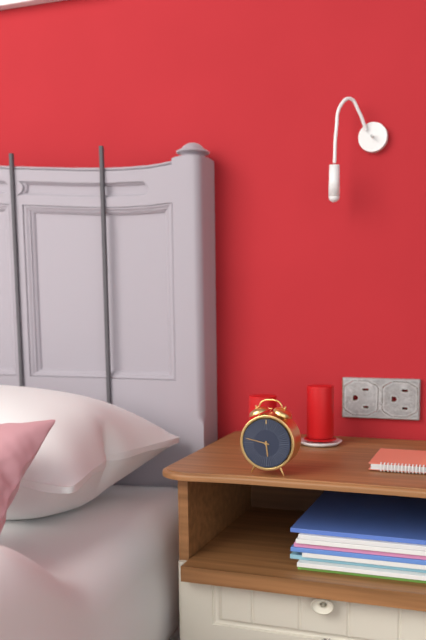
5:47
